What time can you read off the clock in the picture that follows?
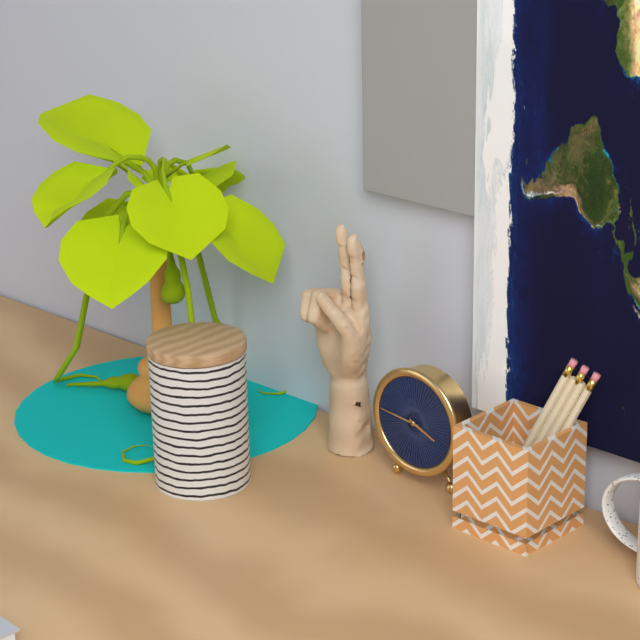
3:46
